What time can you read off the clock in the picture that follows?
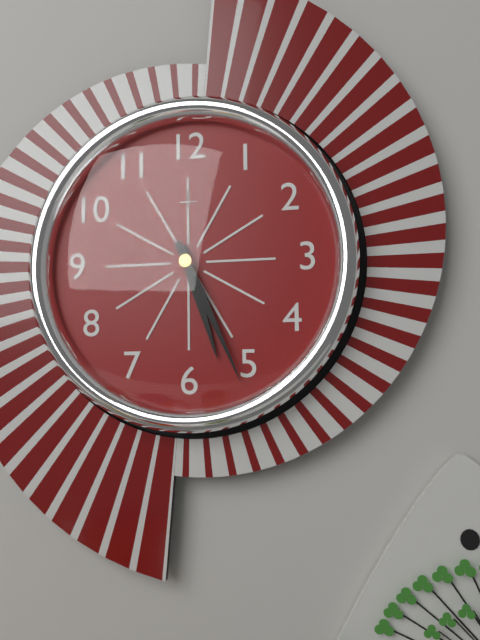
5:26
